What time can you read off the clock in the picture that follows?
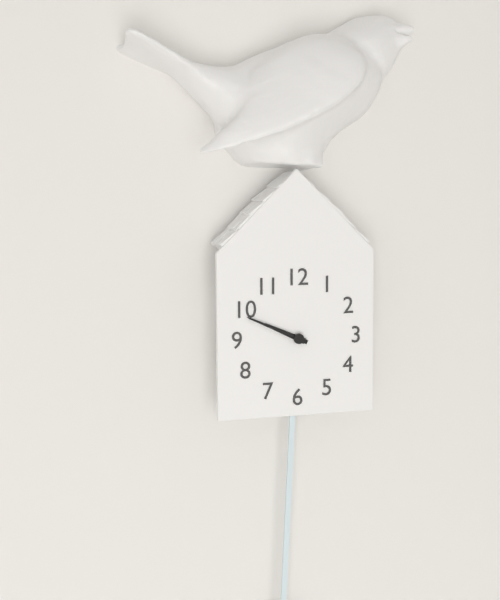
9:49
